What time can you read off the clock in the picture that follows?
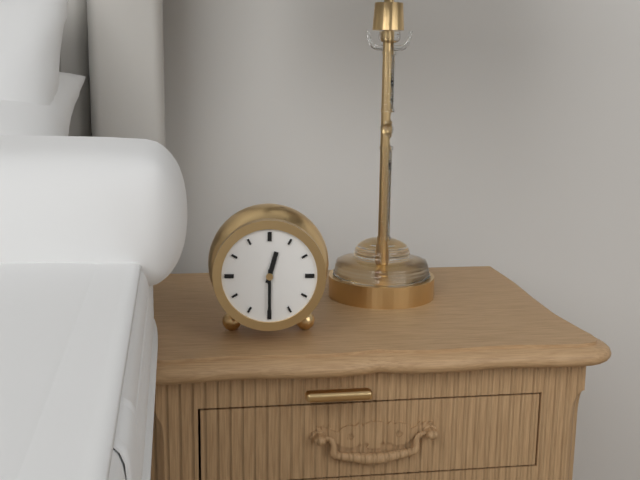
12:30
